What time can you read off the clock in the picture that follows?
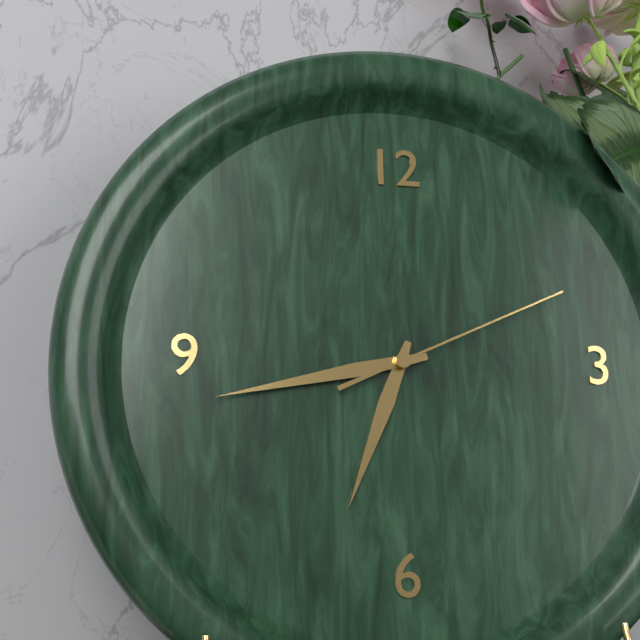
6:43:11
